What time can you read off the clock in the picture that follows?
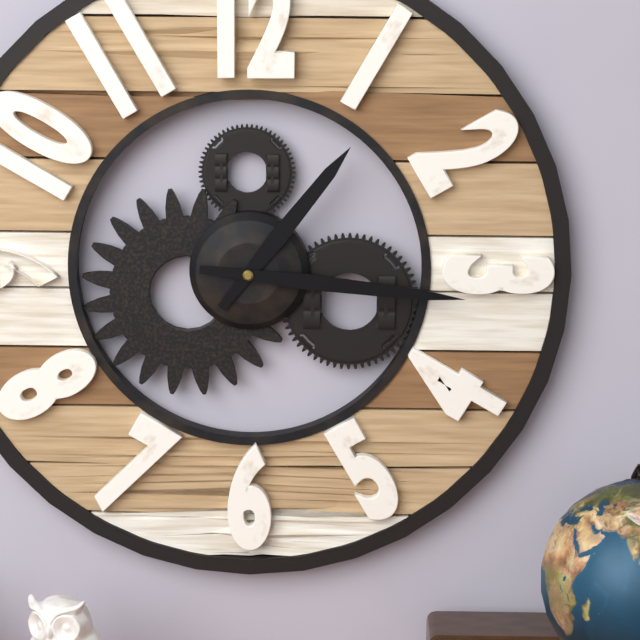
1:16
